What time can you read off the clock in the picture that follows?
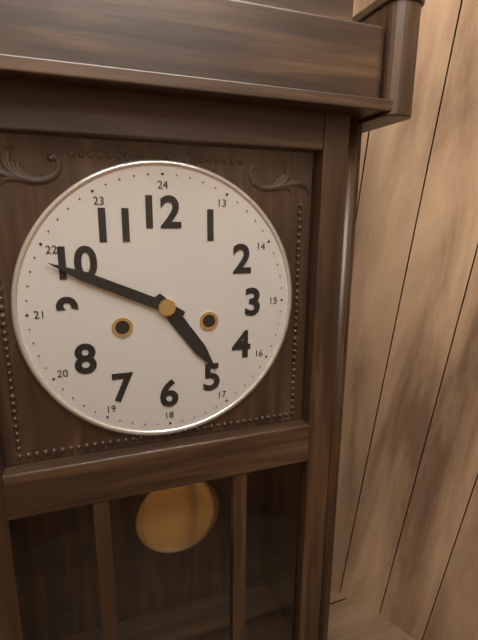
4:49
